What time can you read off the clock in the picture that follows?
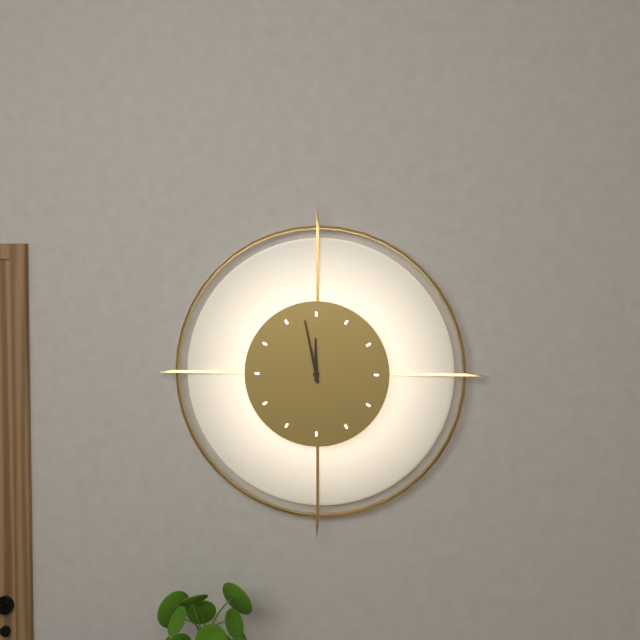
11:58
